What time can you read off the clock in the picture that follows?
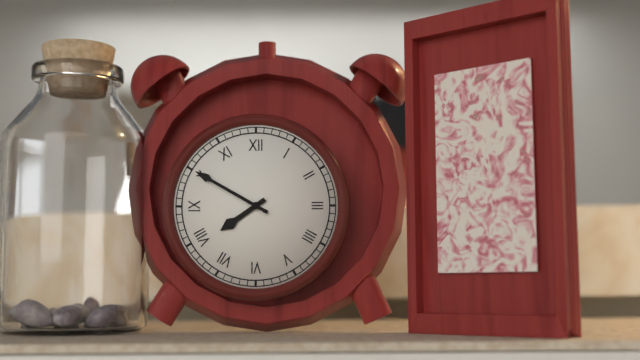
7:50
